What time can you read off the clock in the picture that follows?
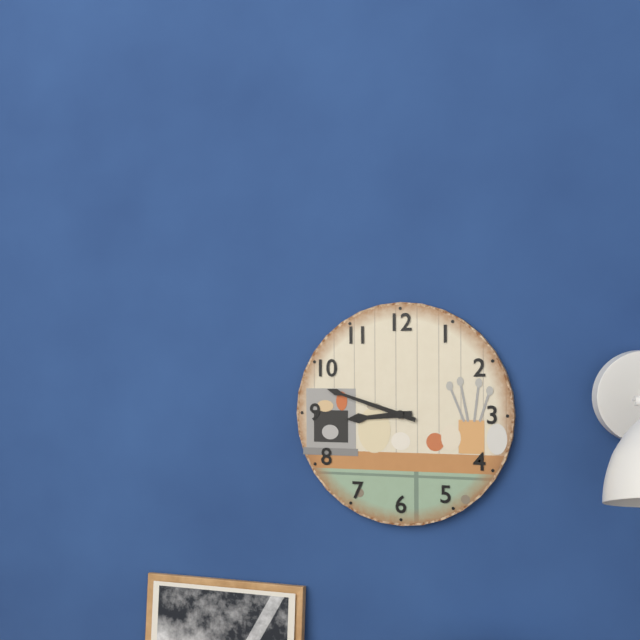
8:48
